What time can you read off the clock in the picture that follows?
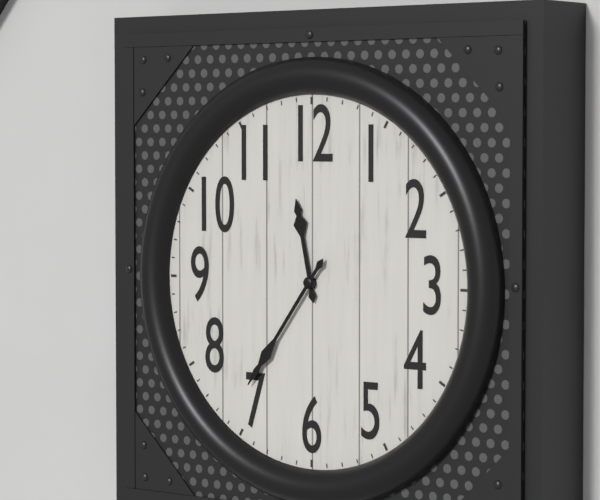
11:36
